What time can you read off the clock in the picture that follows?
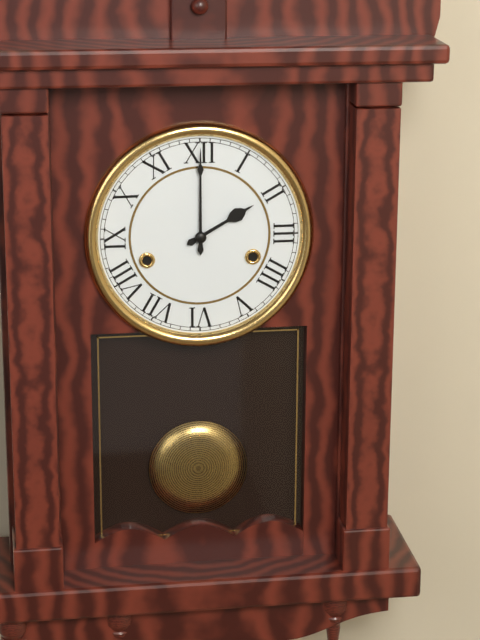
2:00
